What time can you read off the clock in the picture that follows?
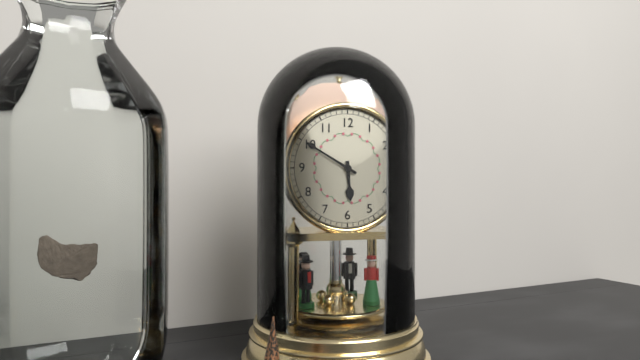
5:50
